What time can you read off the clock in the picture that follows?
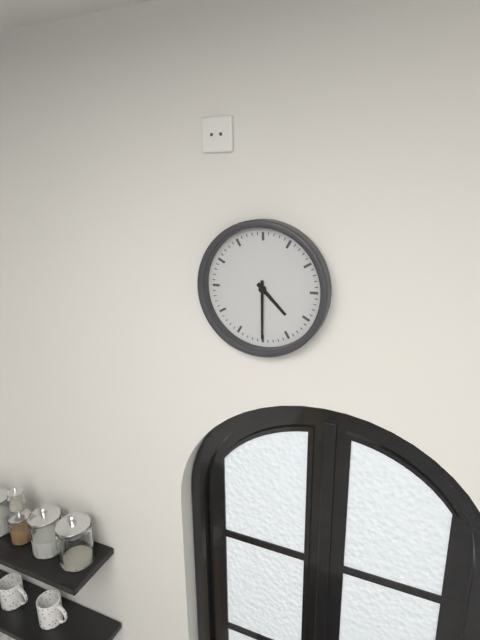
4:30
